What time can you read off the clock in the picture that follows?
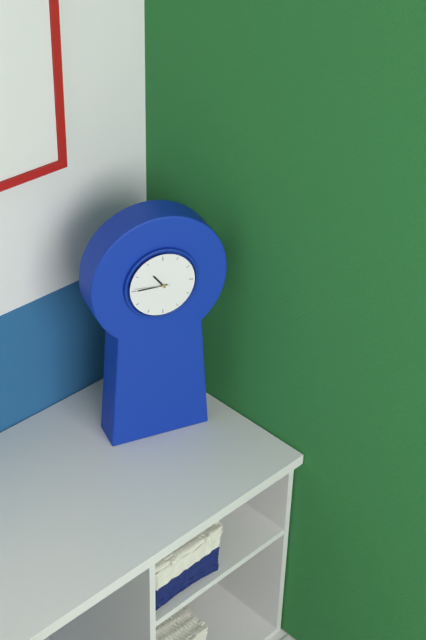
10:45
